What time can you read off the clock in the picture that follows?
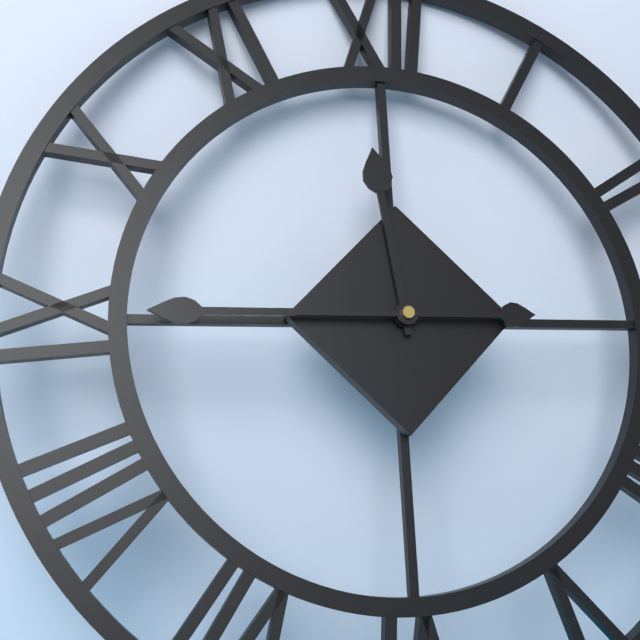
11:45
